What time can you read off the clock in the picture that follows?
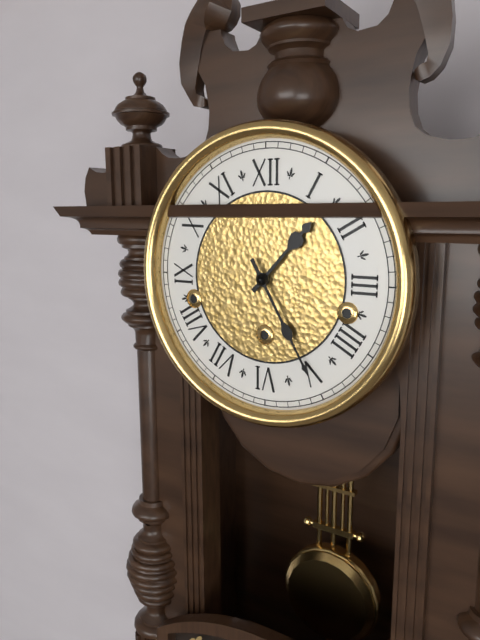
1:25
